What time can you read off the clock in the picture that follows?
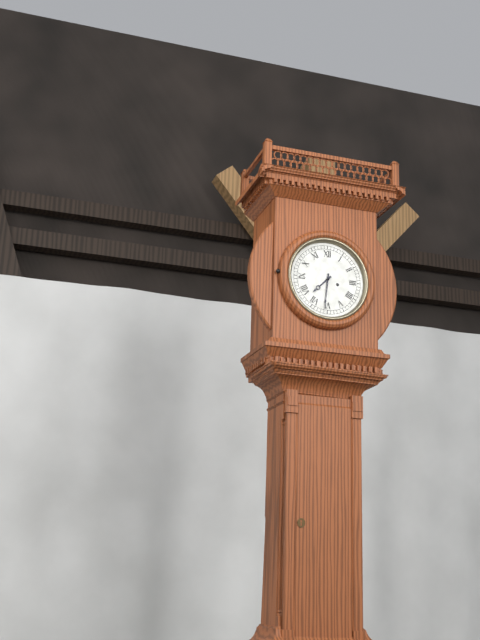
7:31
